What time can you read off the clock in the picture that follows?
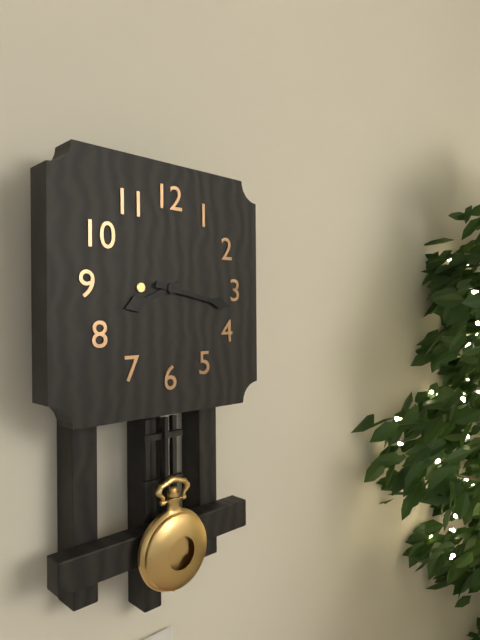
8:17
